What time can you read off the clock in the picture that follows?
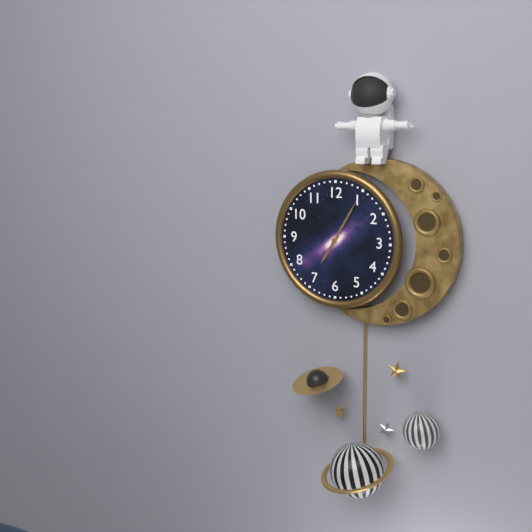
7:05
